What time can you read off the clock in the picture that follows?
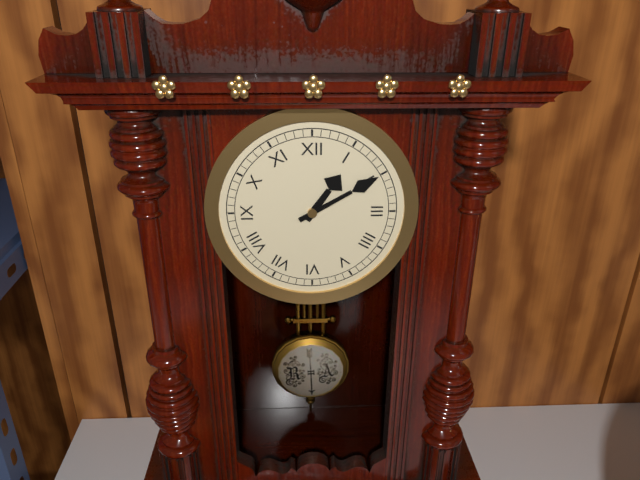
1:10
